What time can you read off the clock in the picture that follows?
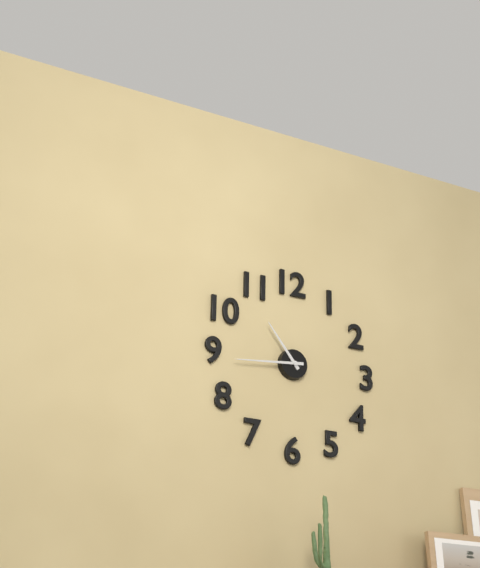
10:44
